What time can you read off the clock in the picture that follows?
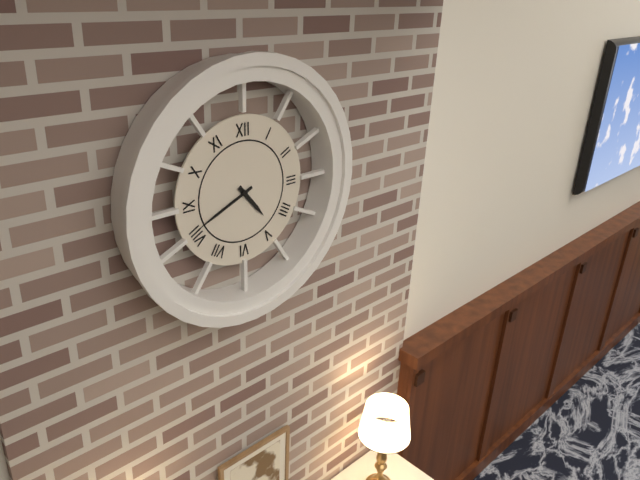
4:41
